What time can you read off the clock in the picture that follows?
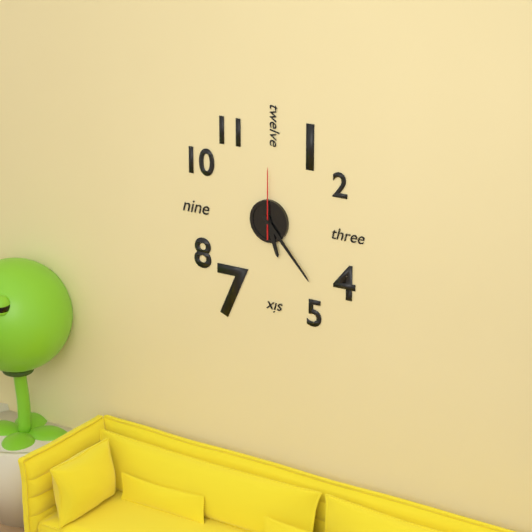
5:23:00
